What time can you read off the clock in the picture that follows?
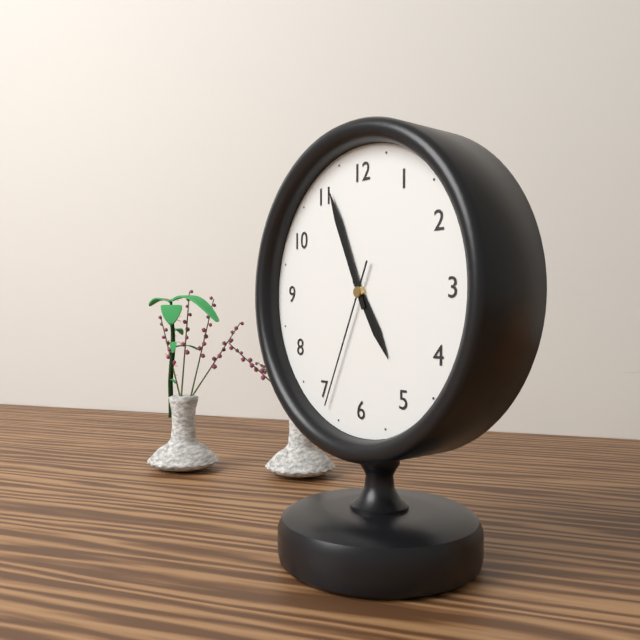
4:56:34
